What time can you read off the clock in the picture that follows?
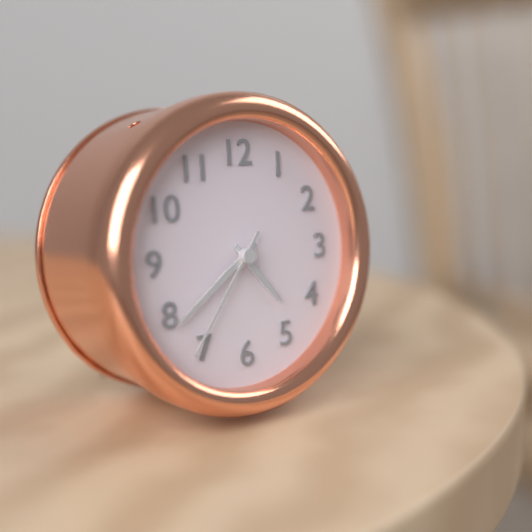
4:39:36
